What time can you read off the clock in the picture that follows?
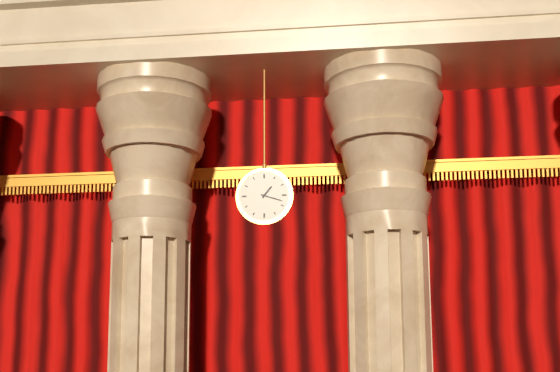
1:18
